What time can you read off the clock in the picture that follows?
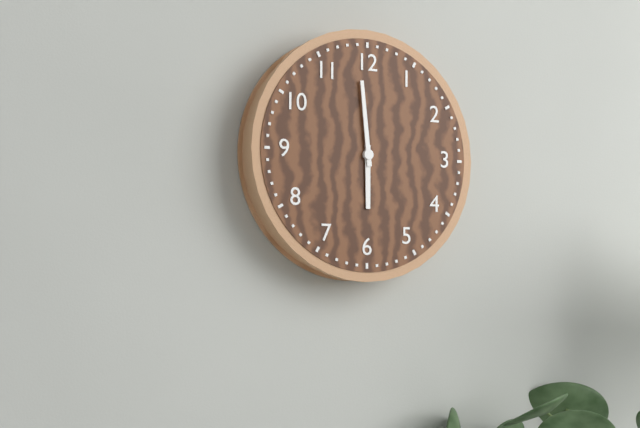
5:59
